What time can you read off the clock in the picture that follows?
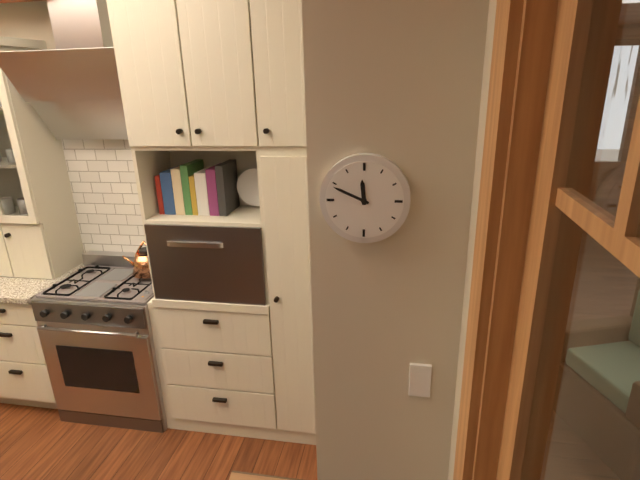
11:49
